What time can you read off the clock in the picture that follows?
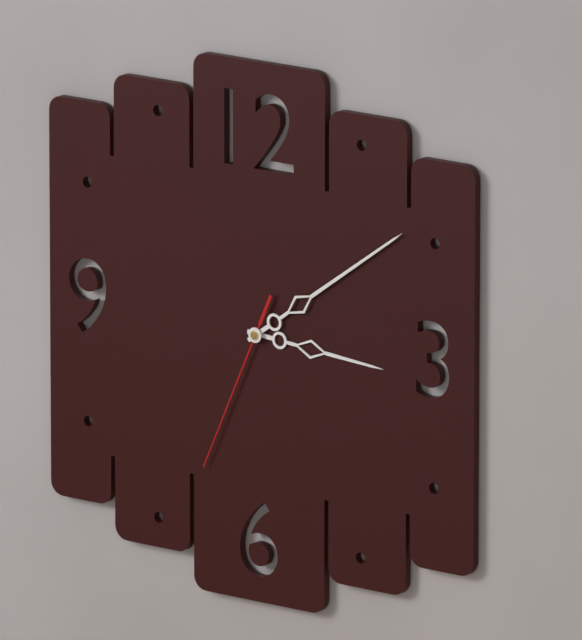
3:09:34
